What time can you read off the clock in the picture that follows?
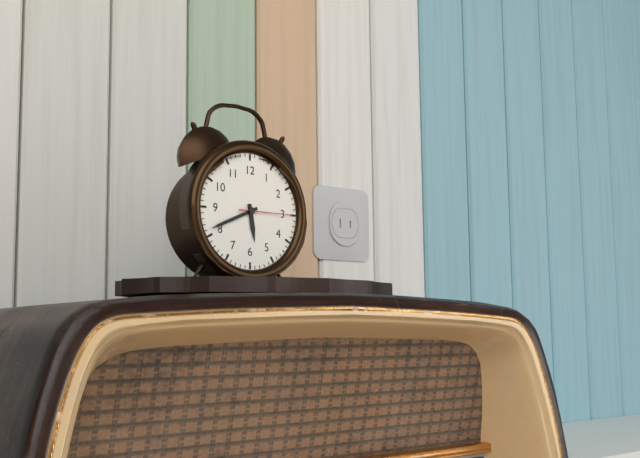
5:41:15
